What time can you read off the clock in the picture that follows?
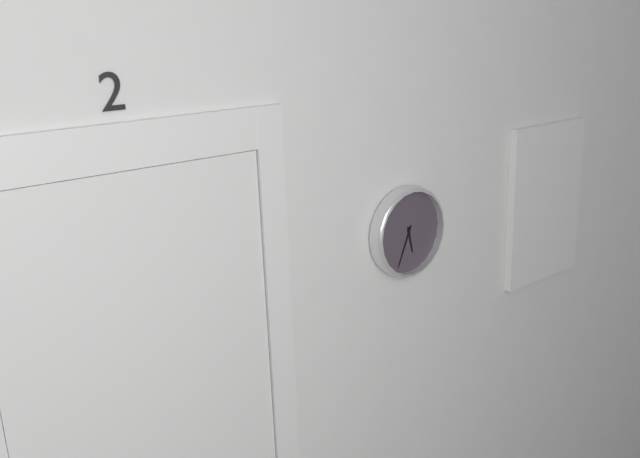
5:34
